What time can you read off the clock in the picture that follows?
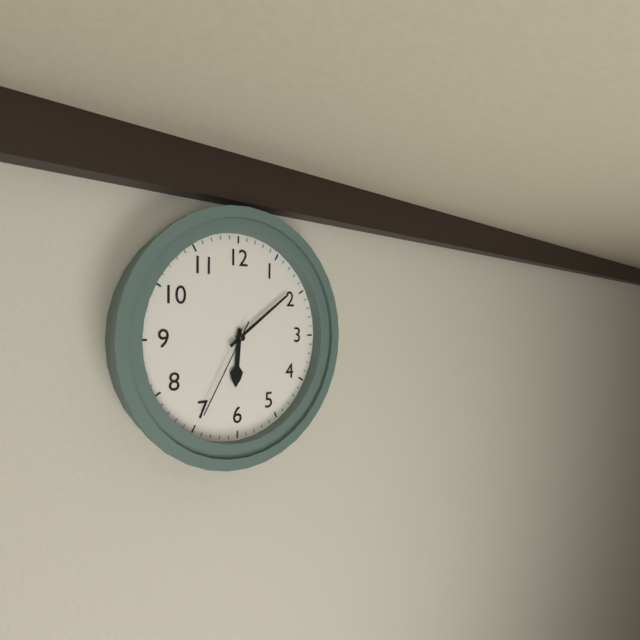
6:09:35
